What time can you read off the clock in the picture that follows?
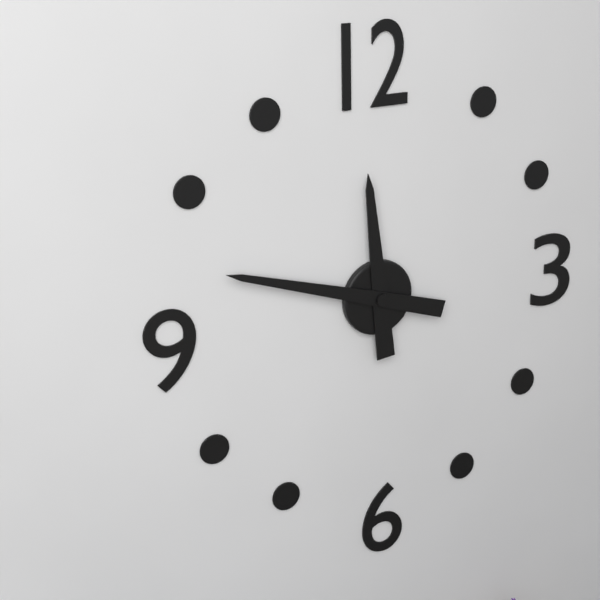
11:48
